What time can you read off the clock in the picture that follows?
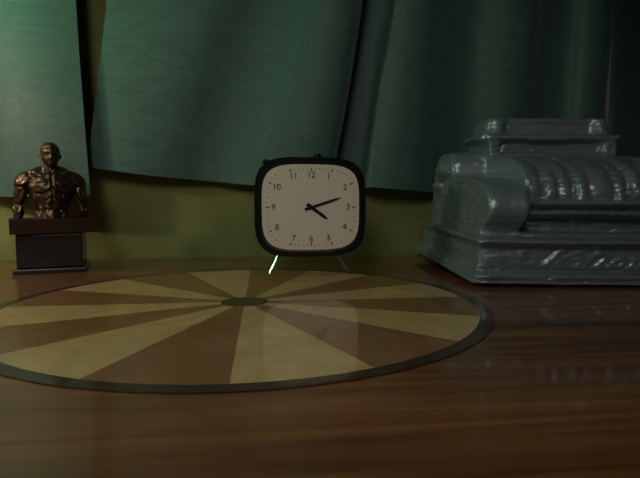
4:12
